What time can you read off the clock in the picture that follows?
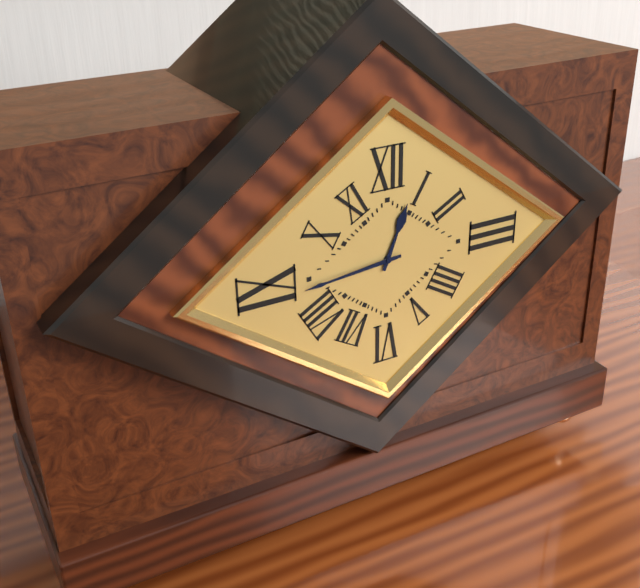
12:44
